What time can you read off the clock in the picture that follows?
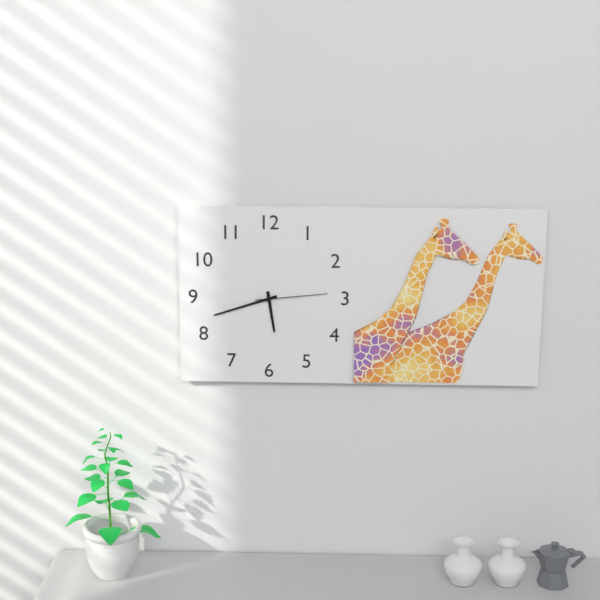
5:42:14
